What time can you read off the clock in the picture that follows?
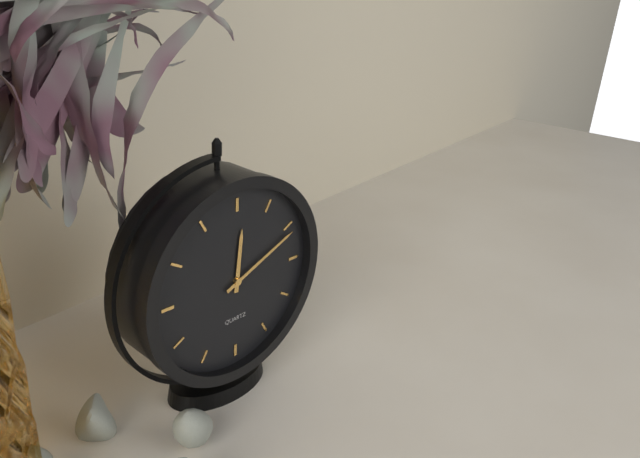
12:11
